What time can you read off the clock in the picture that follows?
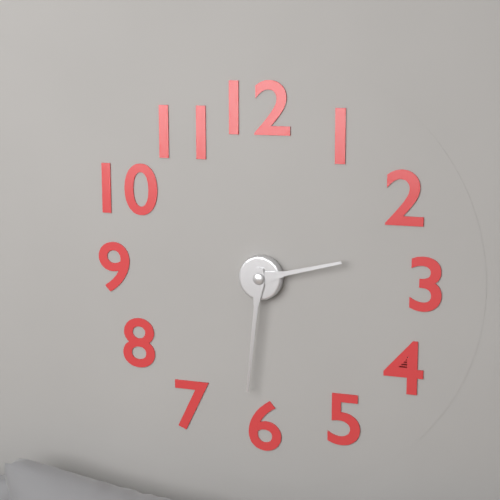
2:31
